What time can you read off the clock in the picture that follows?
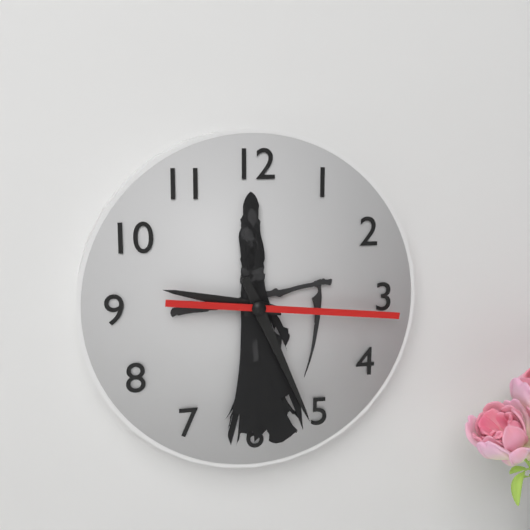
9:26:16
